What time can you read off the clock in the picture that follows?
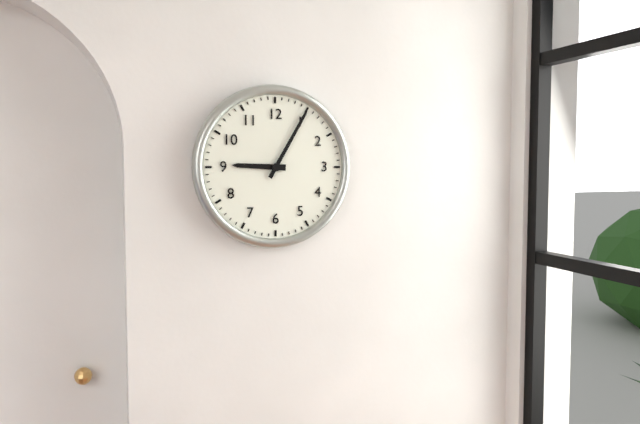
9:05
